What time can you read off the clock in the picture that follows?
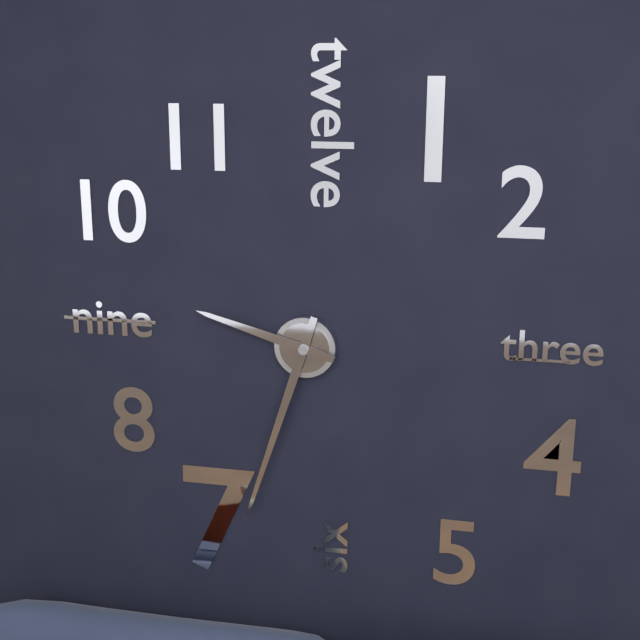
9:33
